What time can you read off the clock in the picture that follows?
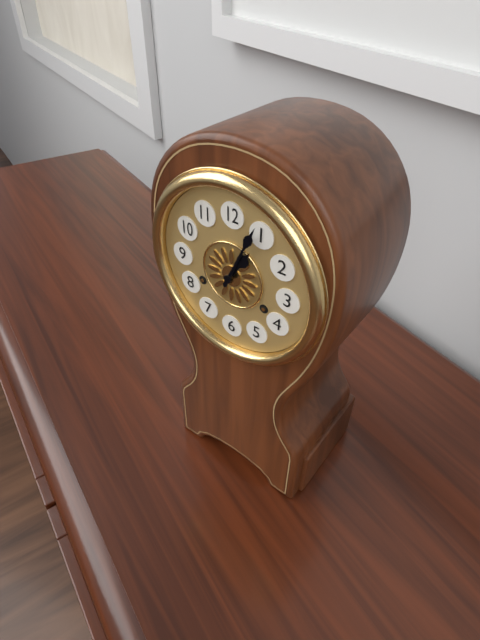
1:04
